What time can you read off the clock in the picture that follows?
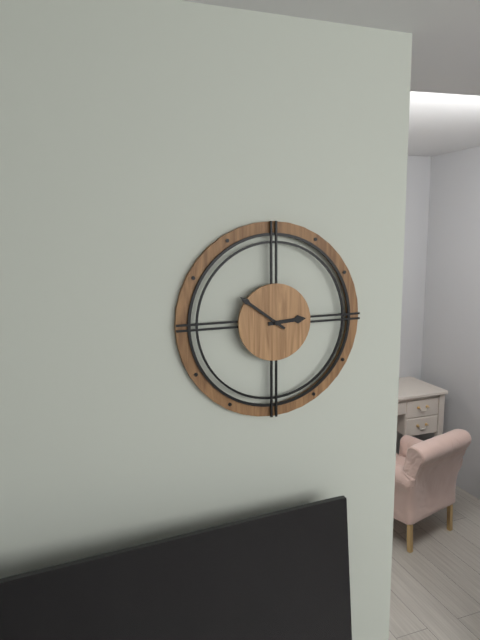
2:51
